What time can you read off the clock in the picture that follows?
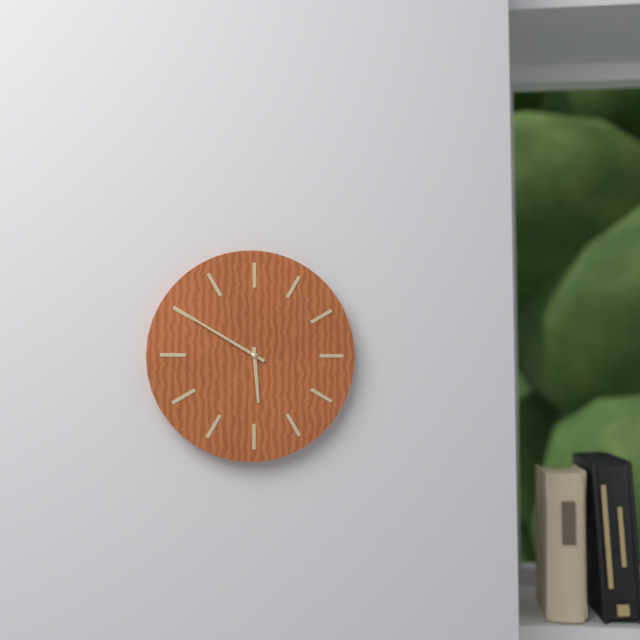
5:50
